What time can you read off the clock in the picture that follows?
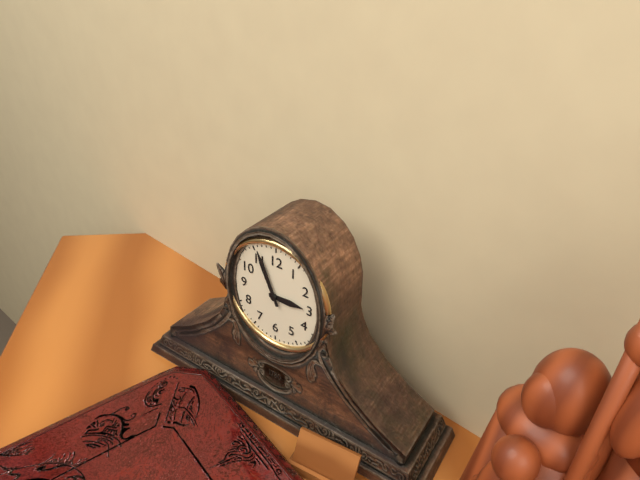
2:56
